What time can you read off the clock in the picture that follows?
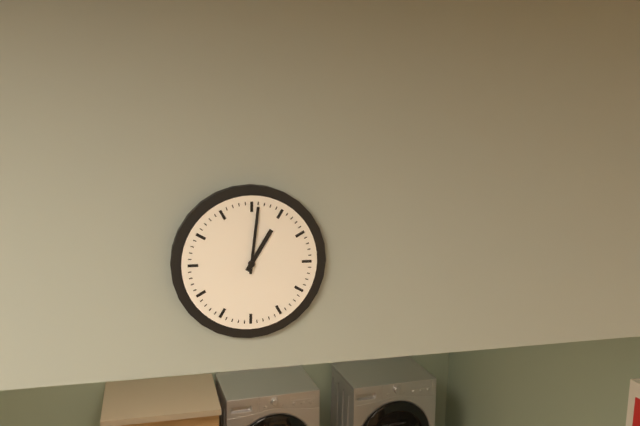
1:01
